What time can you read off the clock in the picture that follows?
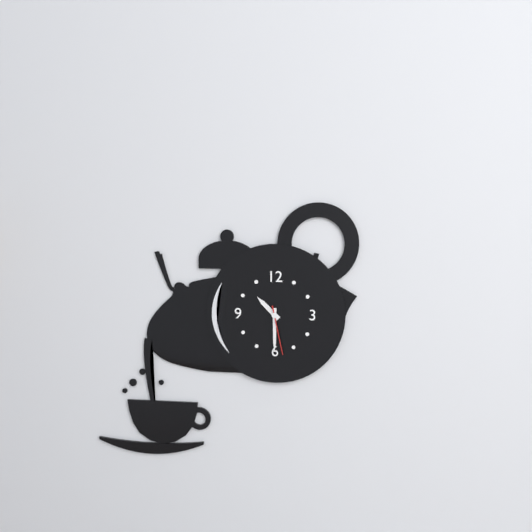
10:30:28
